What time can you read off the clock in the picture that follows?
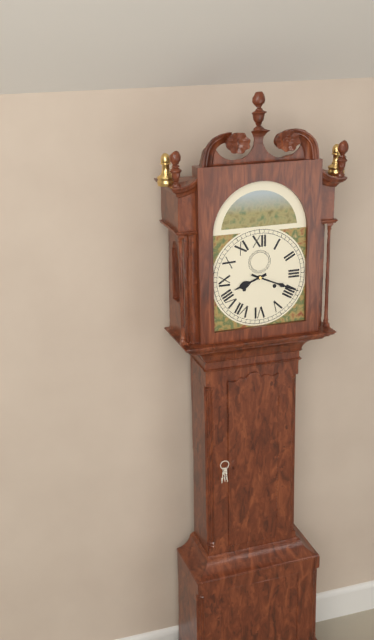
8:19
